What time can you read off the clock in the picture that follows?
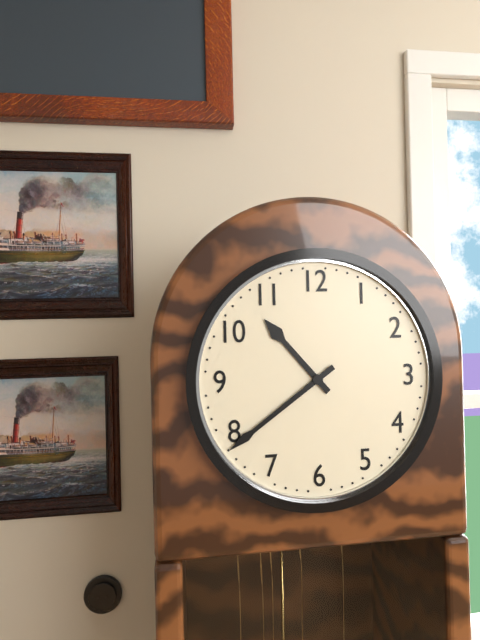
10:39
